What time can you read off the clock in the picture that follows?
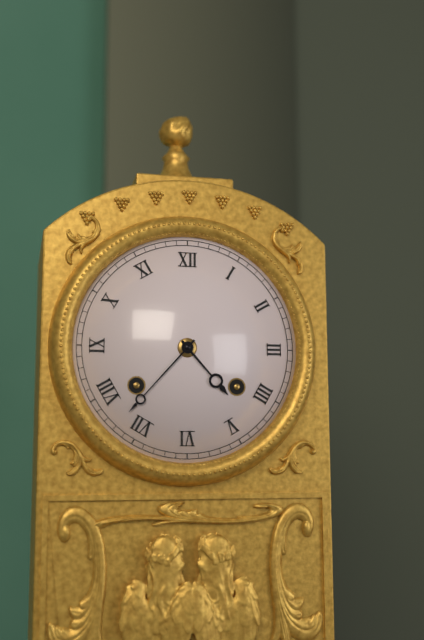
4:37
